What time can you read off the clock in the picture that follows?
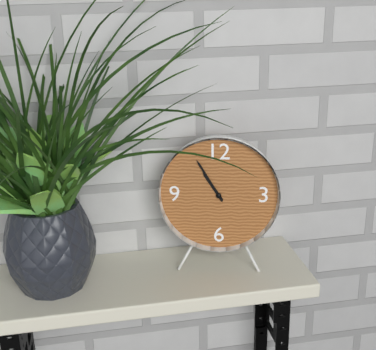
10:55
